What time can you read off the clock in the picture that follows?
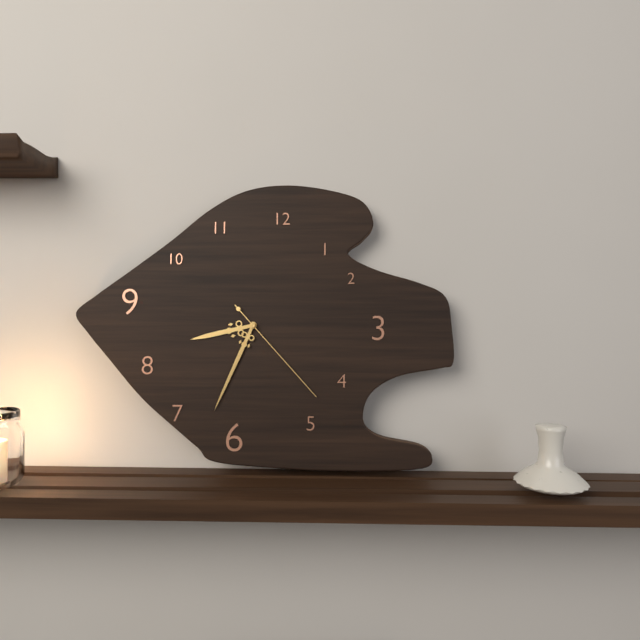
8:34:23
